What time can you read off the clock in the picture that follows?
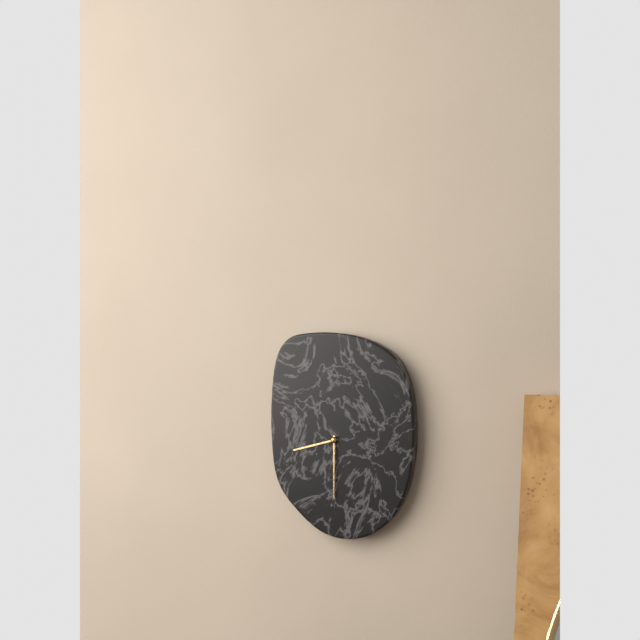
8:30
